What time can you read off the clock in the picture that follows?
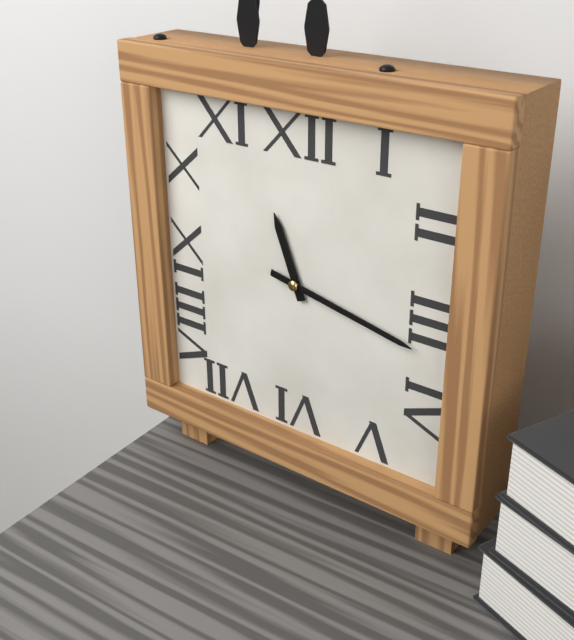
11:17
